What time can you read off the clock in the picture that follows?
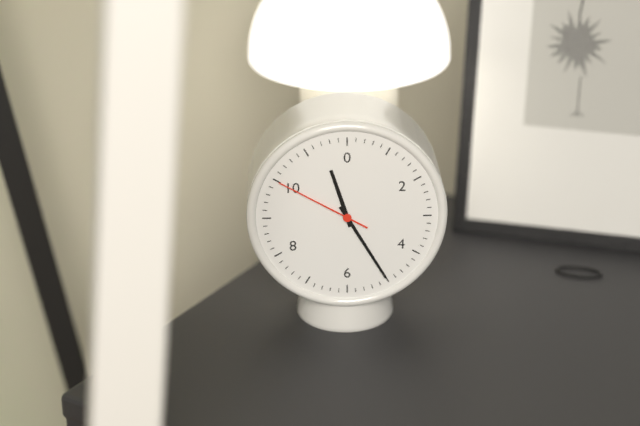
11:25:50
